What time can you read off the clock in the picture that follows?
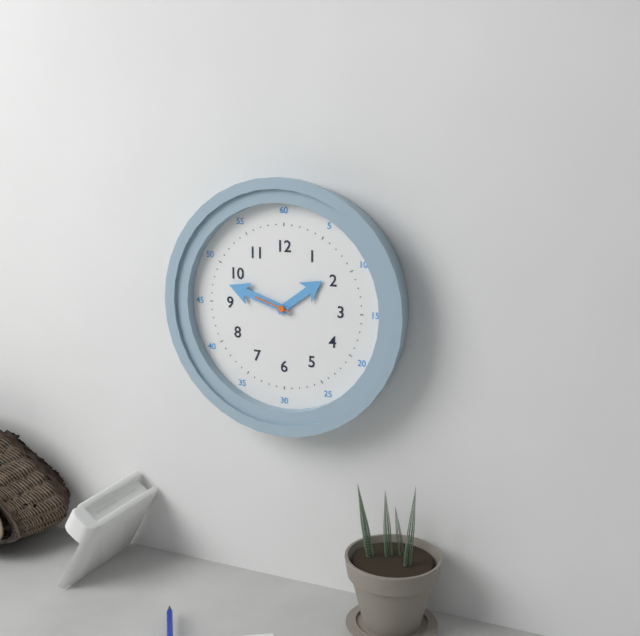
1:48
